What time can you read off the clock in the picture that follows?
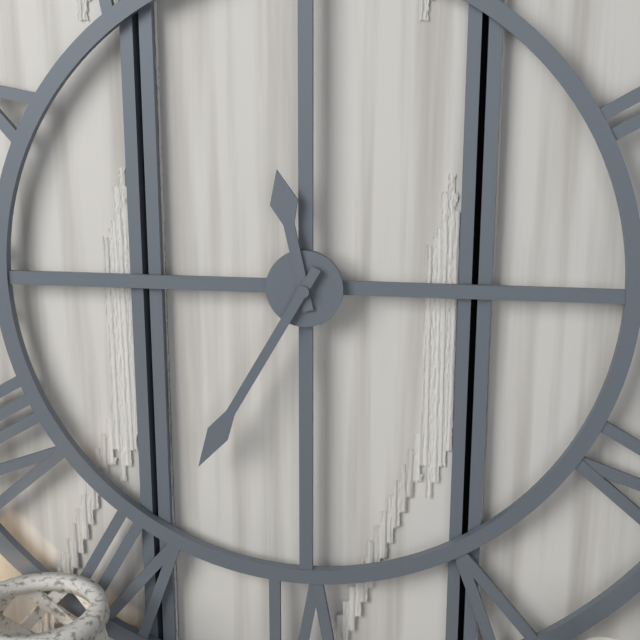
11:35
